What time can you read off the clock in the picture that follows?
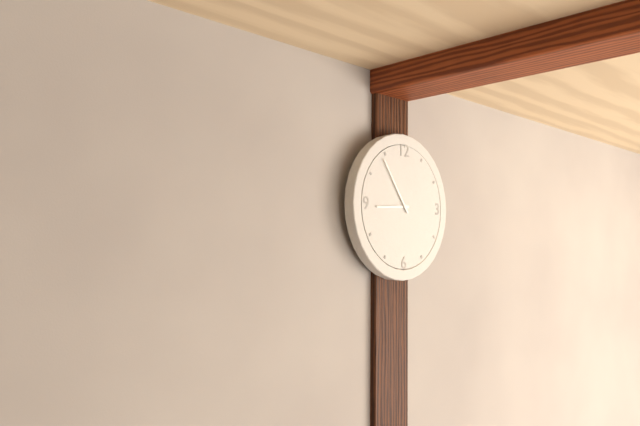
8:54
